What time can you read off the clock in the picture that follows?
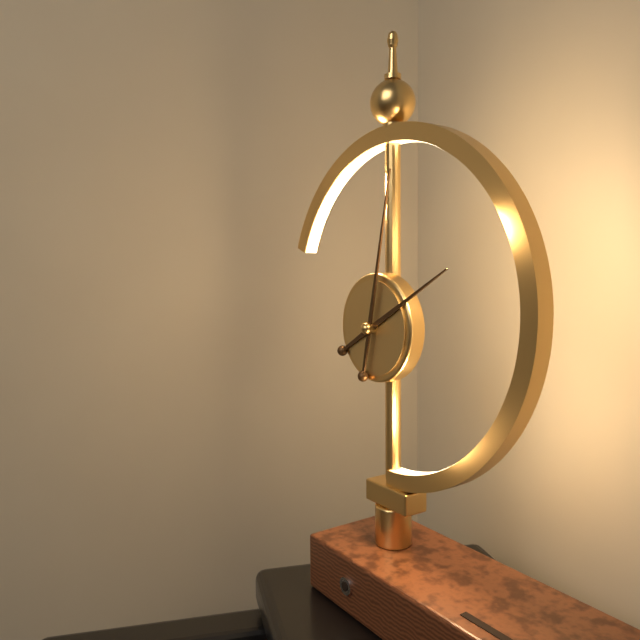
2:02
